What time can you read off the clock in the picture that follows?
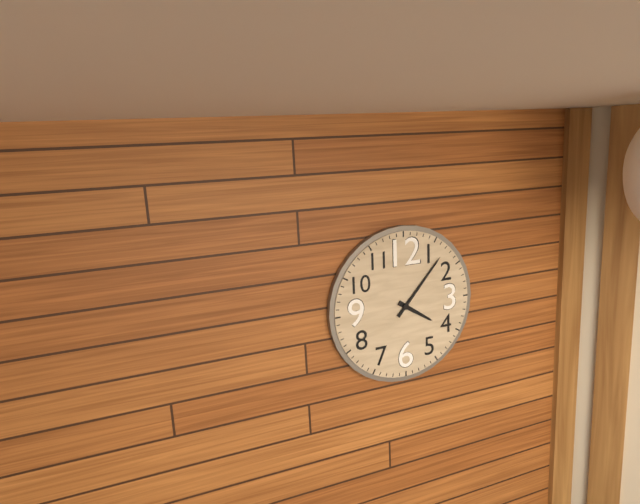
4:07
